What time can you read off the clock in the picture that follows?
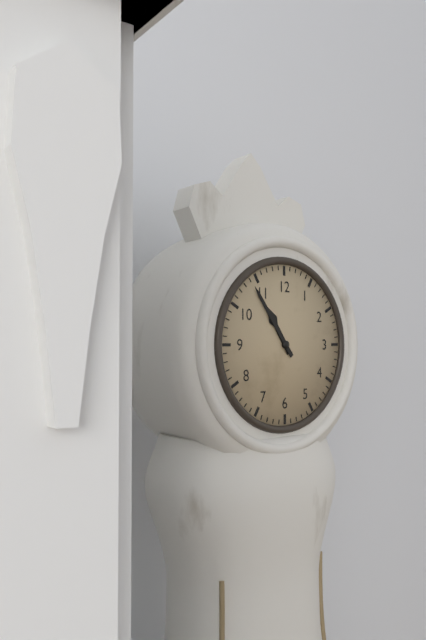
10:54
